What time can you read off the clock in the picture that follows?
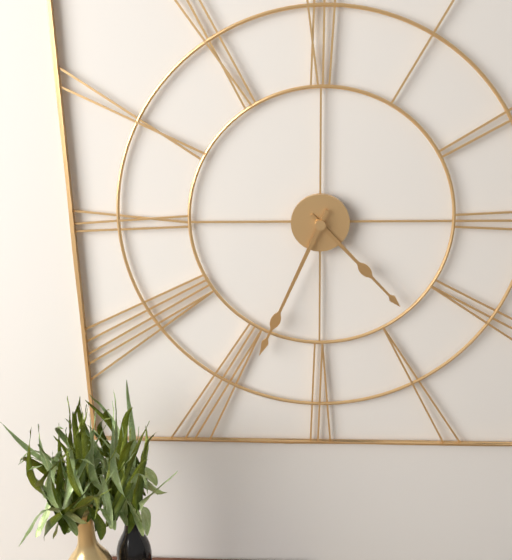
4:34
